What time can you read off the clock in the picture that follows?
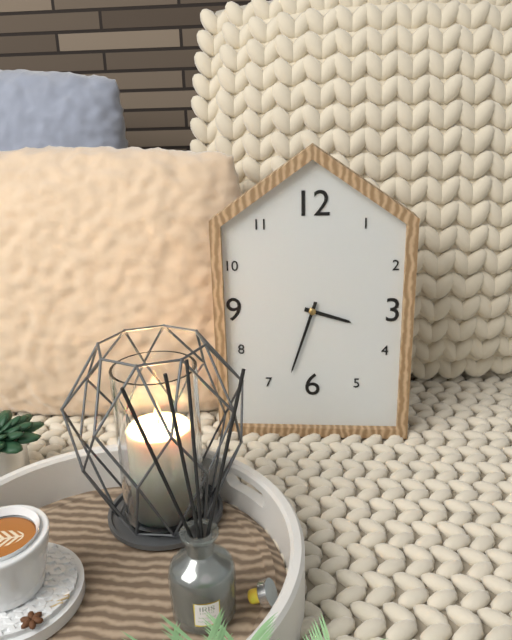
3:33
